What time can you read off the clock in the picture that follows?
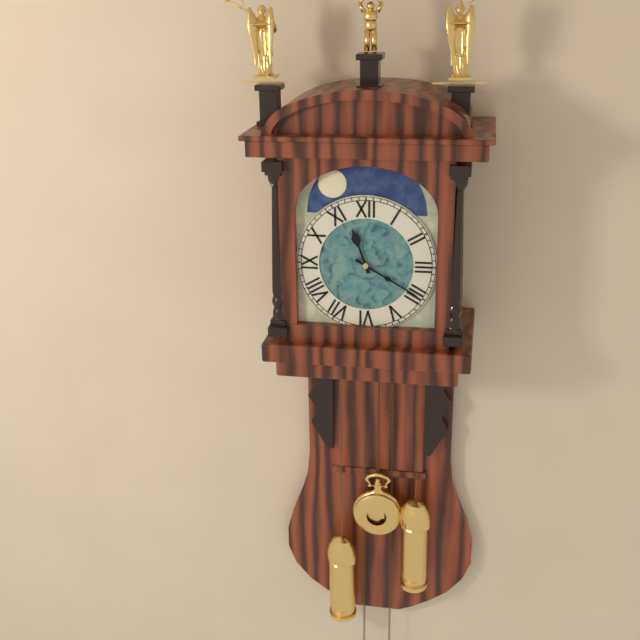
11:20
